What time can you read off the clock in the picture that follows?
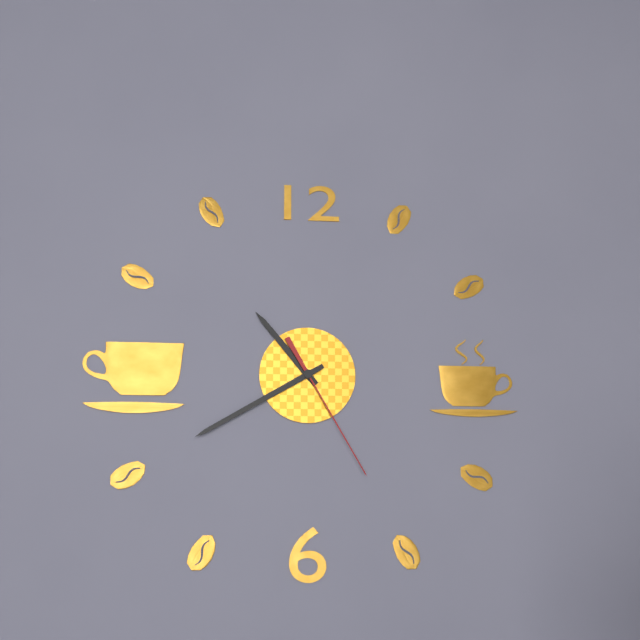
10:40:25
